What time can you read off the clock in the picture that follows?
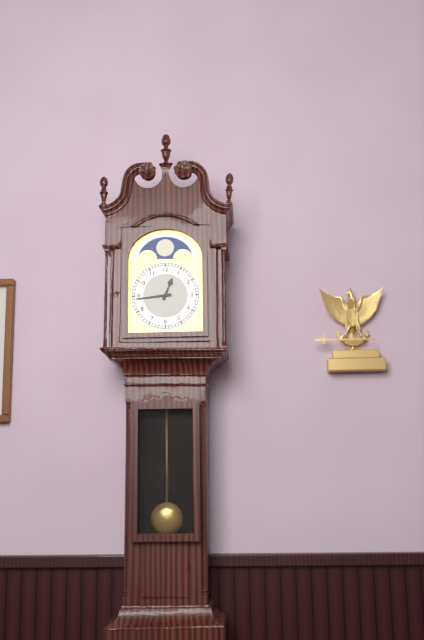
12:44
